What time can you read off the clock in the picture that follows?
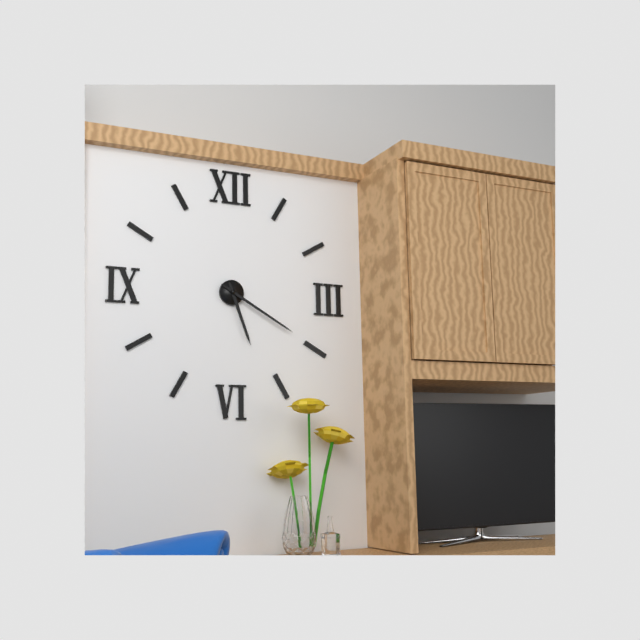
5:20
